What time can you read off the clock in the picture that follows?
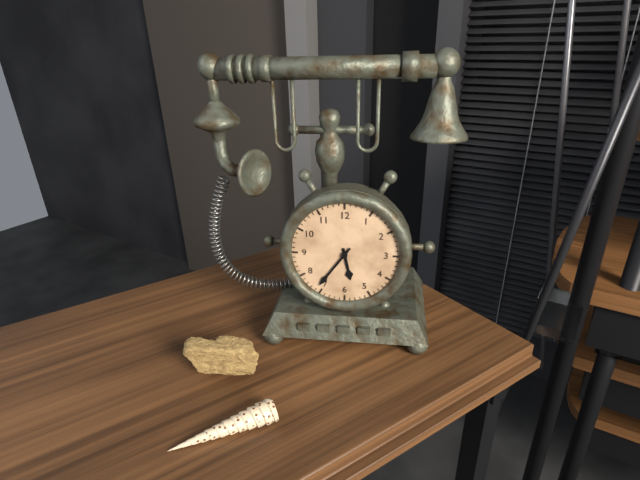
5:36
